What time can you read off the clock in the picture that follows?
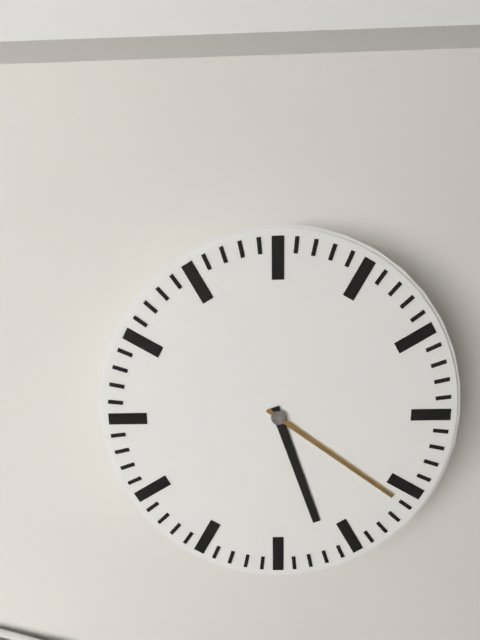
5:21
